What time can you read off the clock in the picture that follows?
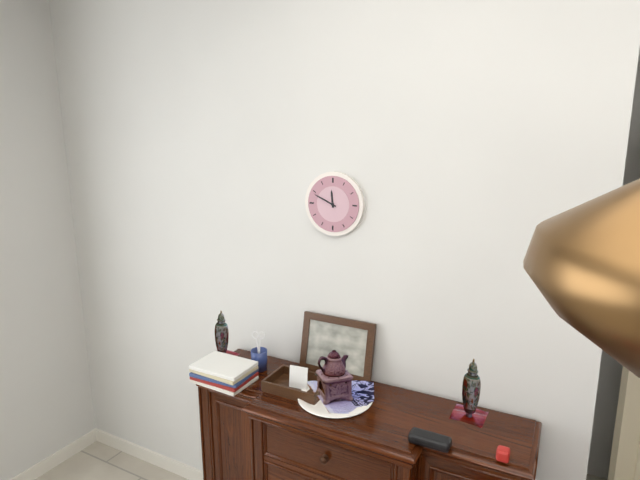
11:49
